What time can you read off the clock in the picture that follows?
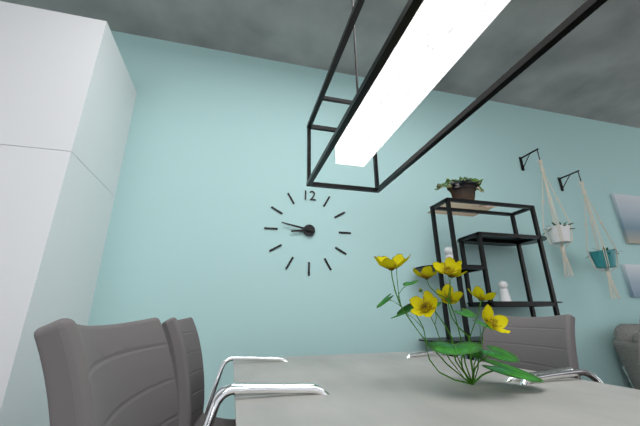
8:47
